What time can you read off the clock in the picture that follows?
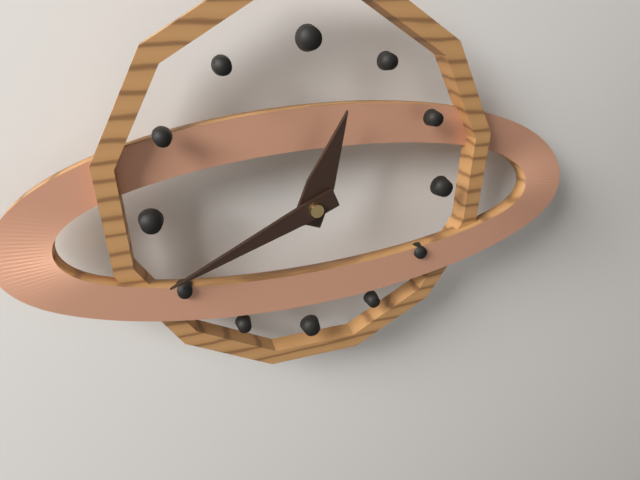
12:41
